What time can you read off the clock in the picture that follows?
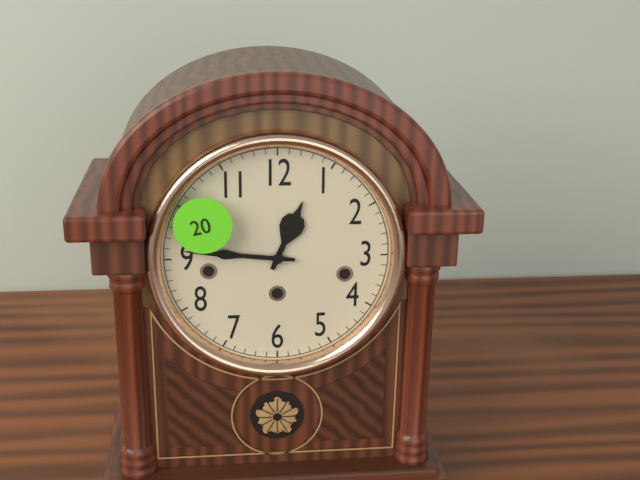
12:46
